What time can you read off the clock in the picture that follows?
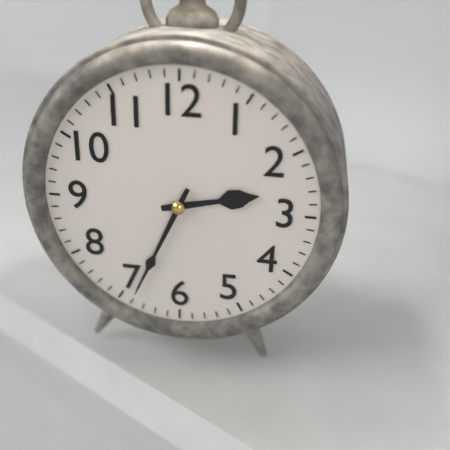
2:34
